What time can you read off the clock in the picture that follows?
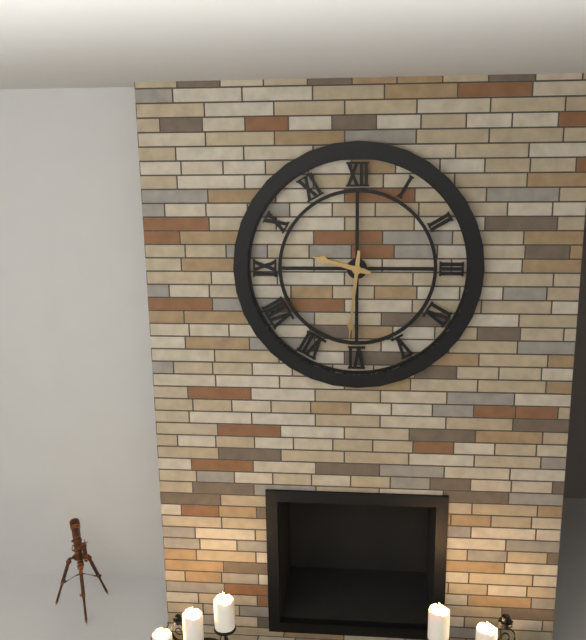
9:31
